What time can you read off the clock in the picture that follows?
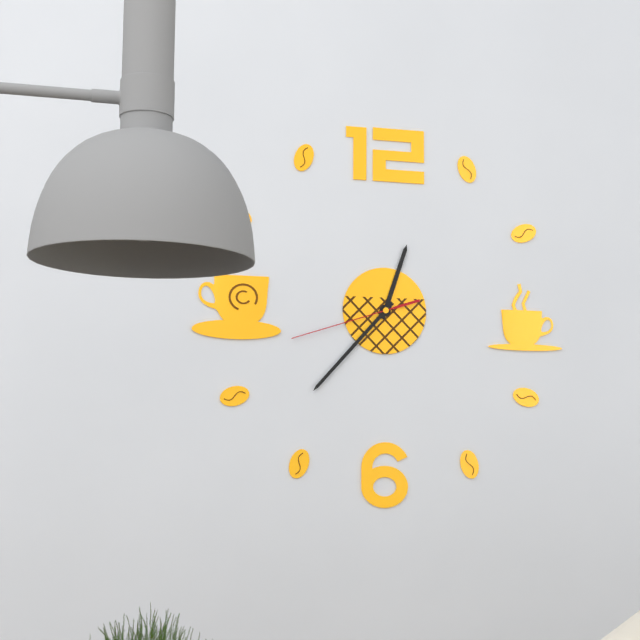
12:37:42
